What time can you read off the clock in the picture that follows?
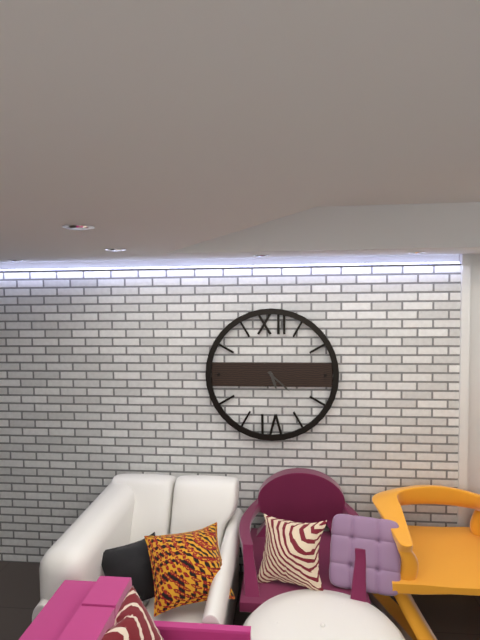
5:22
